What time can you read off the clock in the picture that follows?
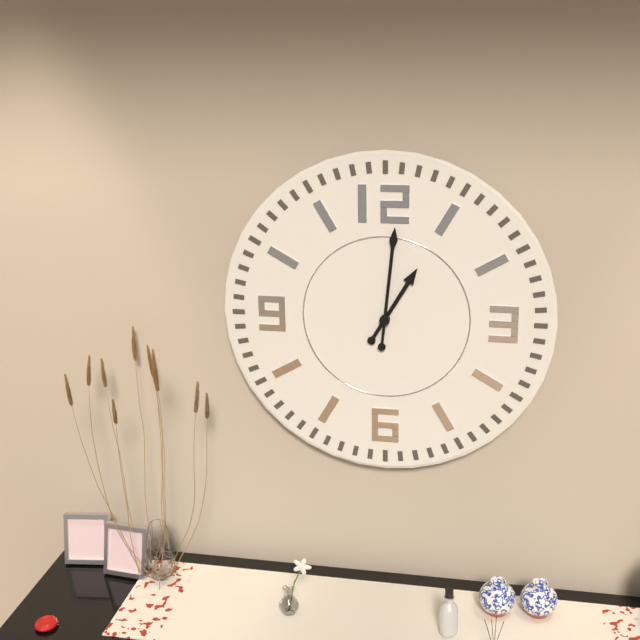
1:01
